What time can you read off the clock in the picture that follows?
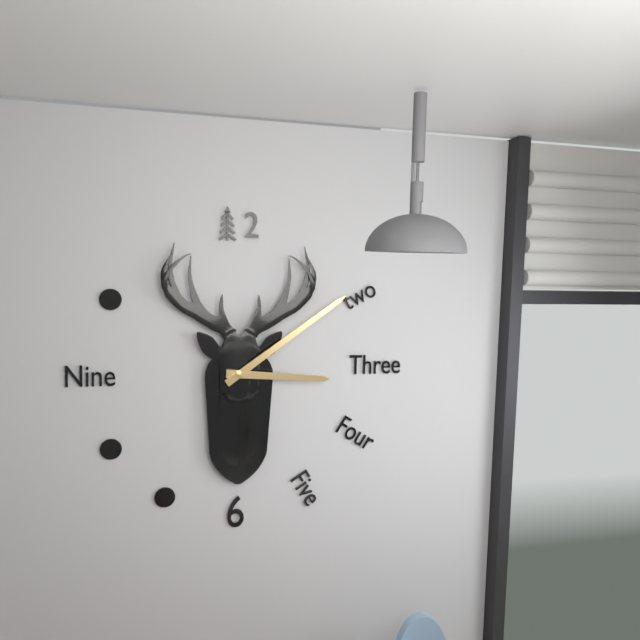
3:09
